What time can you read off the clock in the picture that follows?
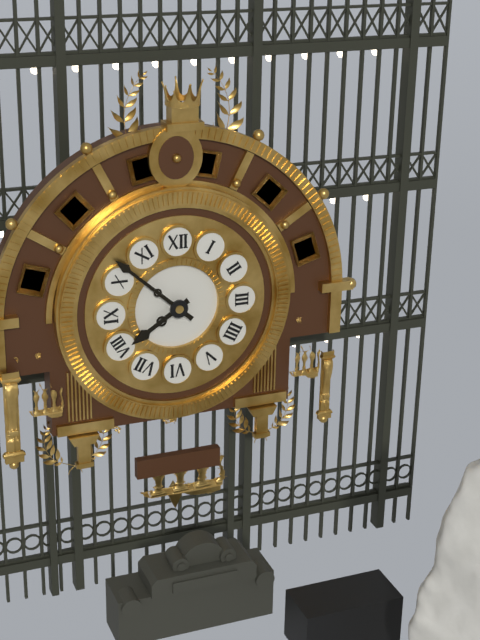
7:52
